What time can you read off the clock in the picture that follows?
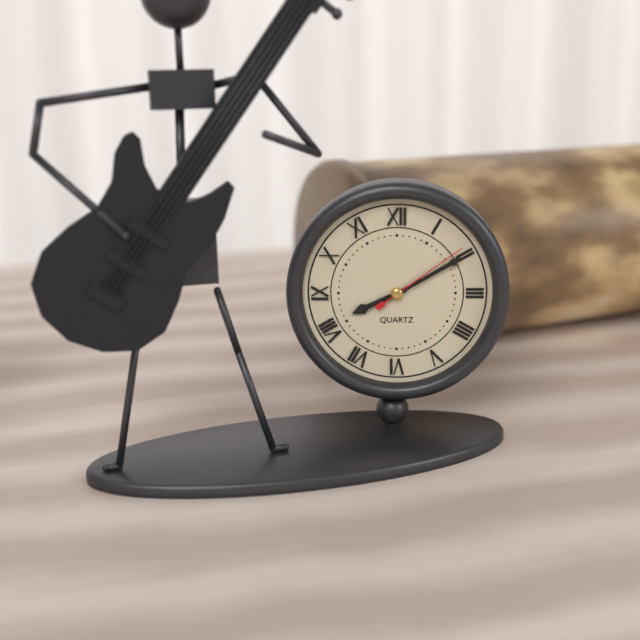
8:10:09
